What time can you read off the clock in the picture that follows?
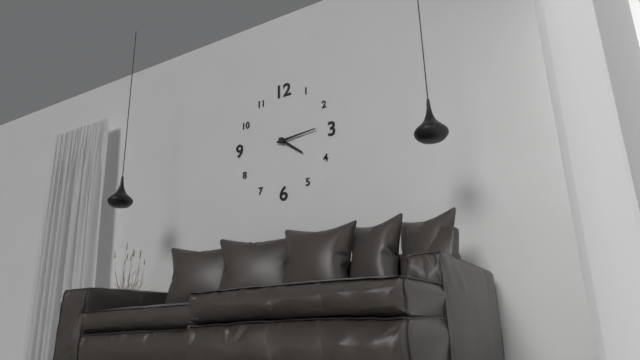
4:14
